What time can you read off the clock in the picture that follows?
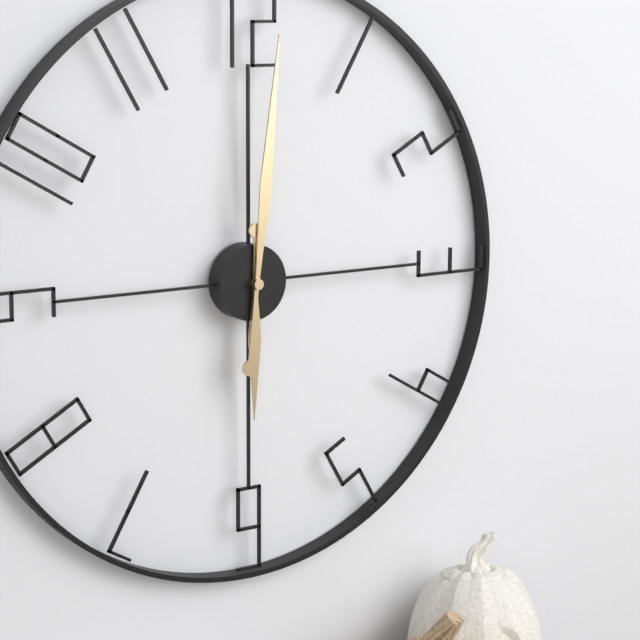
6:01
